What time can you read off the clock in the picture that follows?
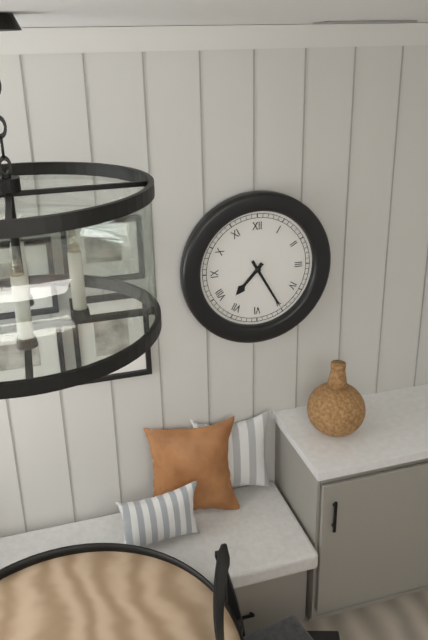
7:25
